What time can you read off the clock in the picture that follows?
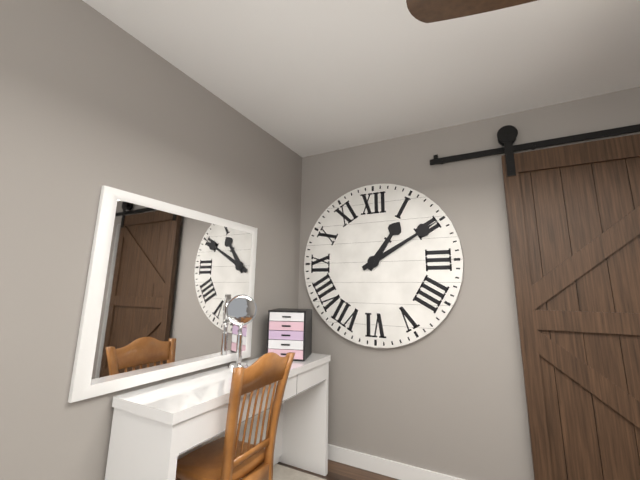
1:10
